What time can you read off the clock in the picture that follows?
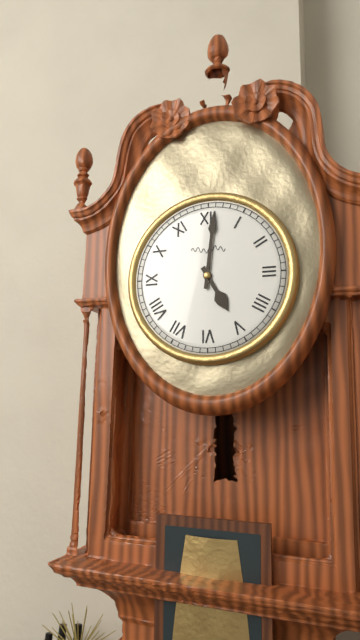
5:01
